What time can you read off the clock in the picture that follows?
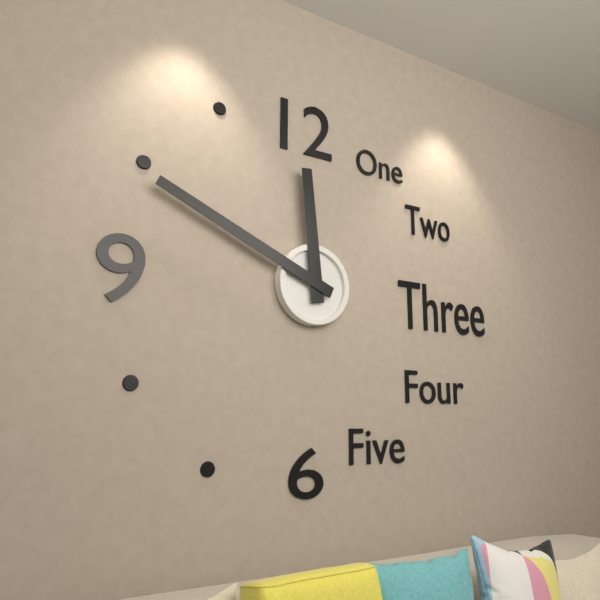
11:49
